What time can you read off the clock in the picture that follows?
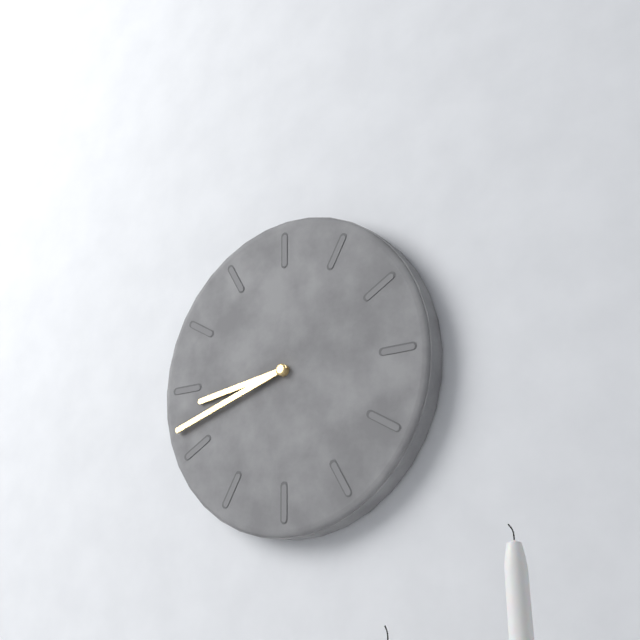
8:42
